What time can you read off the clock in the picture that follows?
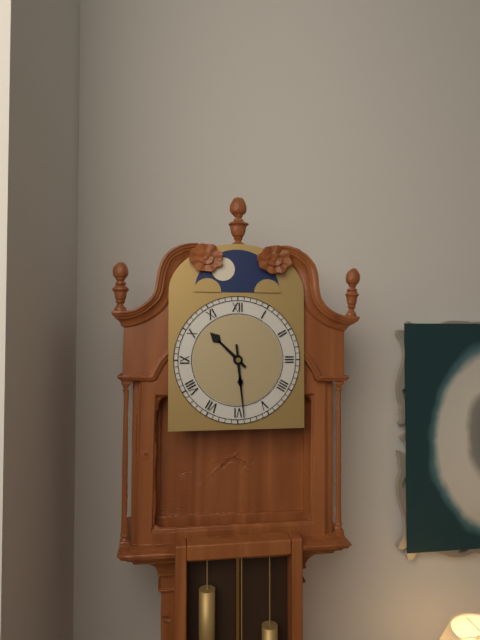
10:29
